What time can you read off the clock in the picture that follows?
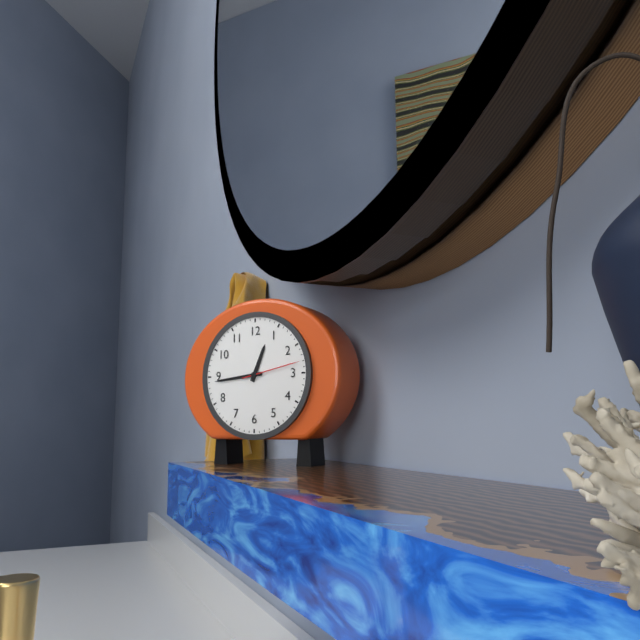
12:44:13
